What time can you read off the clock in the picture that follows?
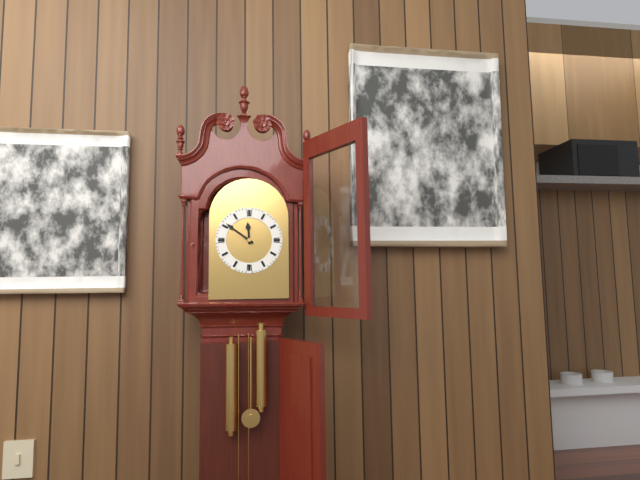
11:51
